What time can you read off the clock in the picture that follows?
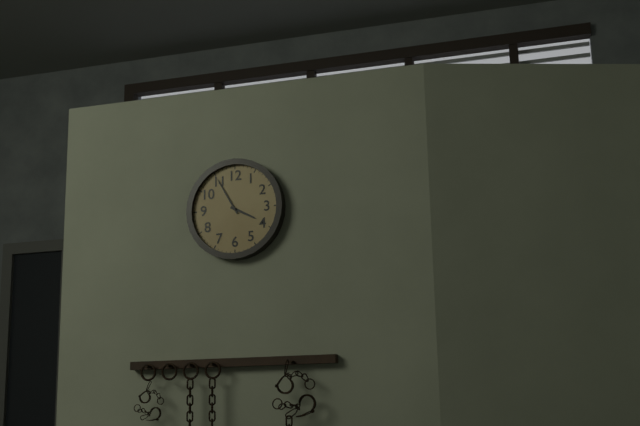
3:55
